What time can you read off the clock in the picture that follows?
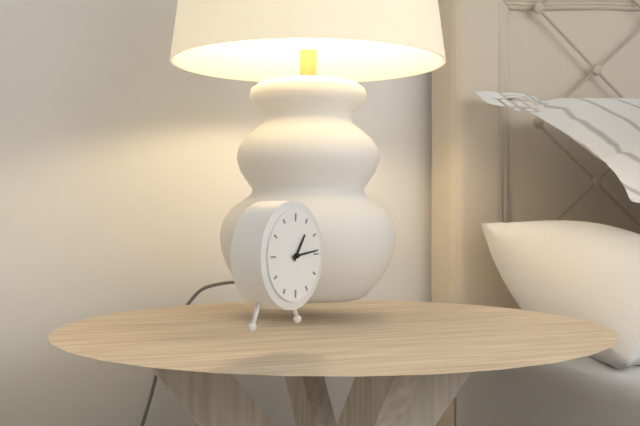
1:14
